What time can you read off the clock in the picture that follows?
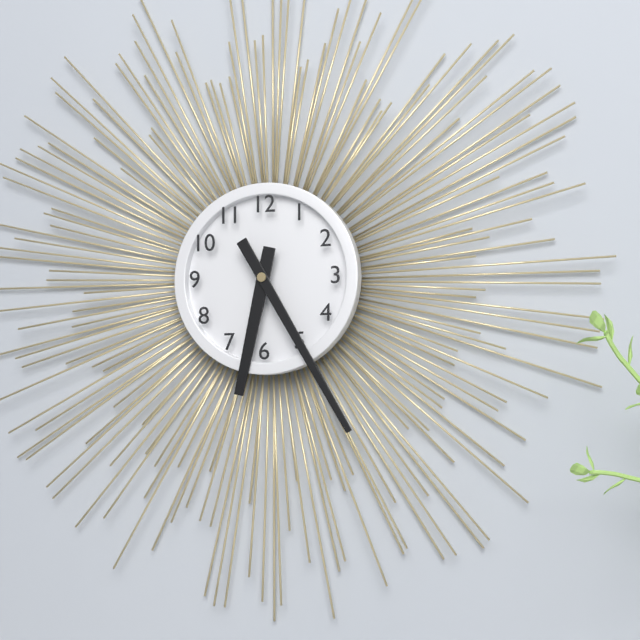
6:25
